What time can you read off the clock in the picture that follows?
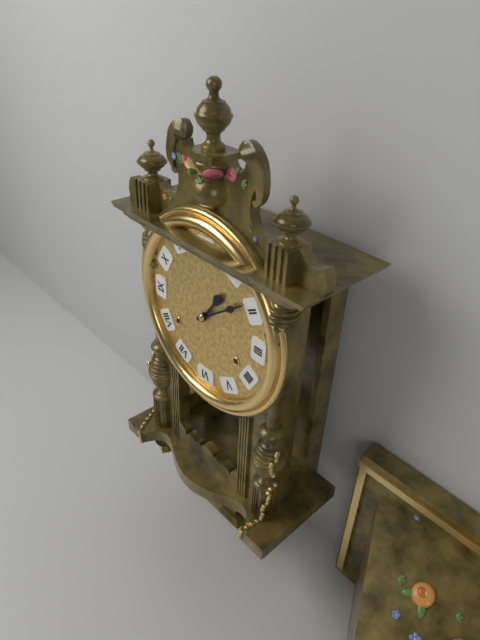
1:09
